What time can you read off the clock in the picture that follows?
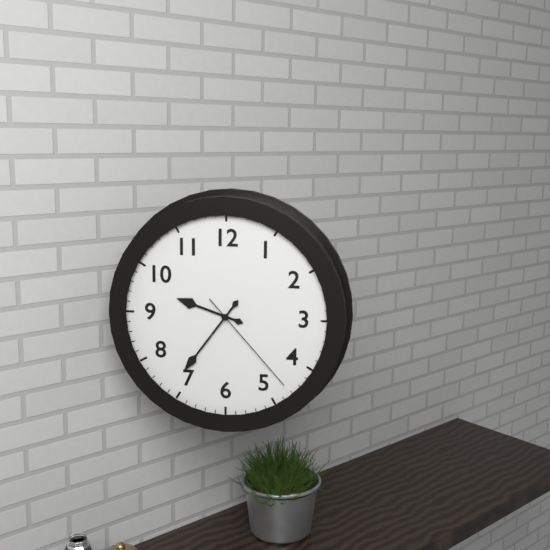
9:36:23
